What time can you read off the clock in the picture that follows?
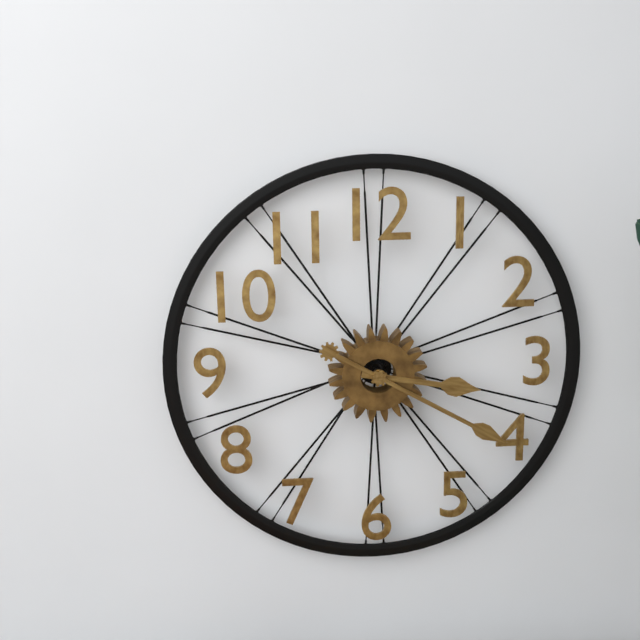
3:20
